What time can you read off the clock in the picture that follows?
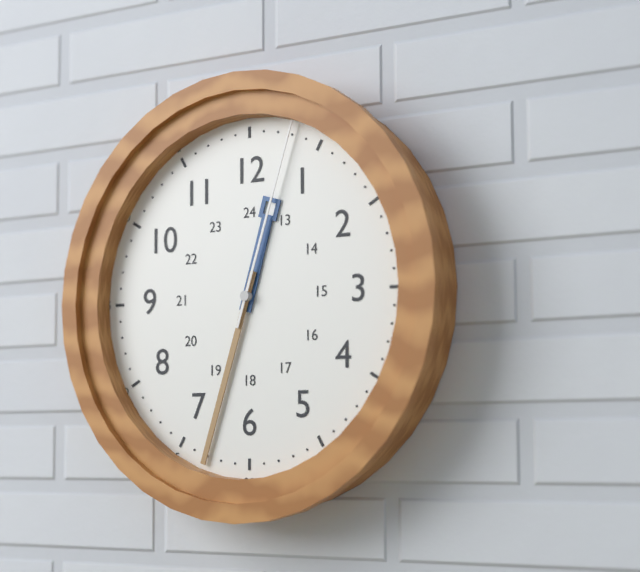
12:33:03
